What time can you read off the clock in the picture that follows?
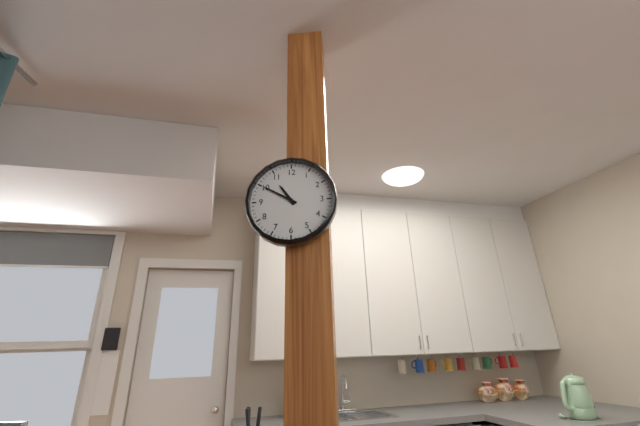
10:50
